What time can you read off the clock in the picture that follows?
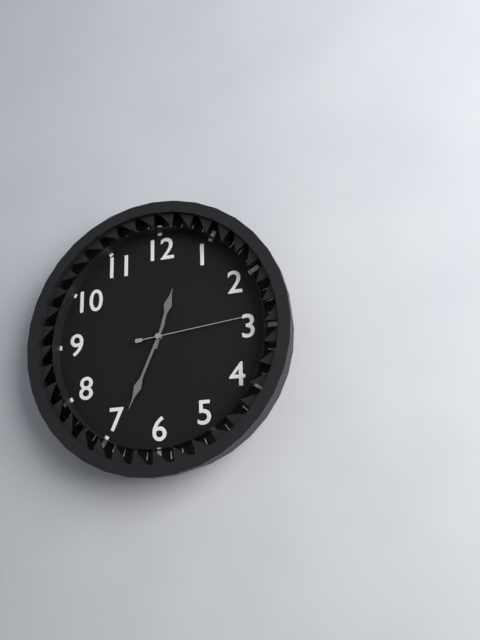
12:34:14
